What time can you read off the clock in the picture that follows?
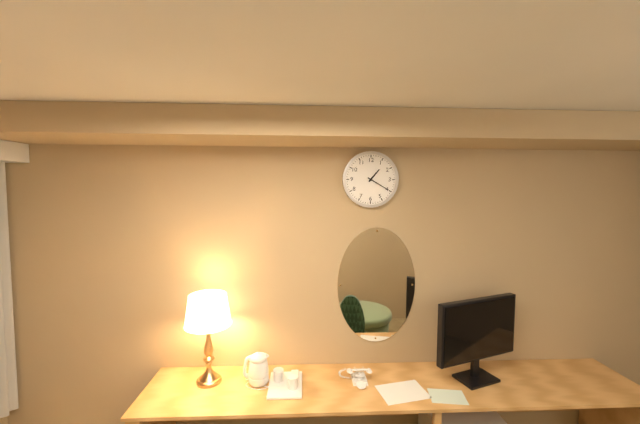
1:20
